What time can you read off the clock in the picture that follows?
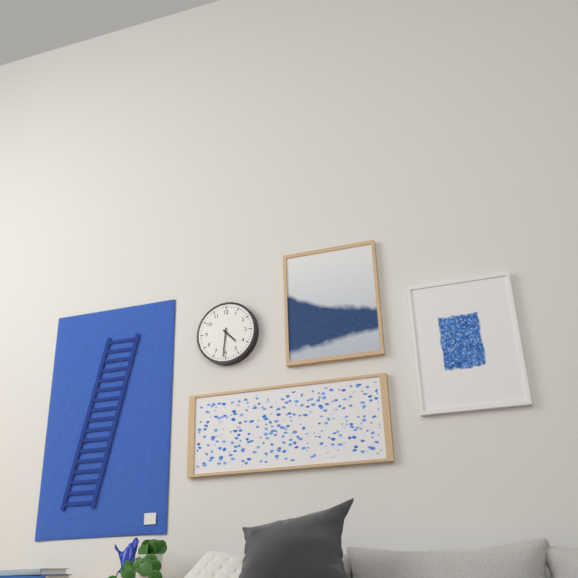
4:31
